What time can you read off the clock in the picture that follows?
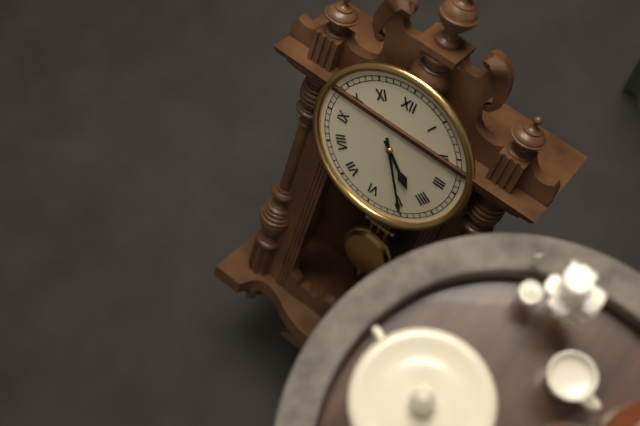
4:25
